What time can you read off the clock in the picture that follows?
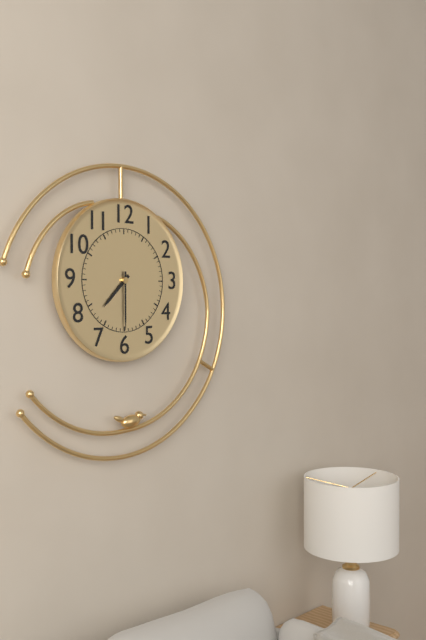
7:30
